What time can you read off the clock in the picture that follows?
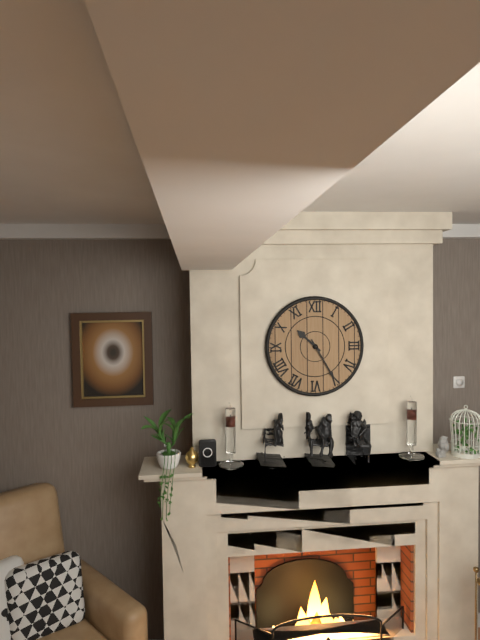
10:25
